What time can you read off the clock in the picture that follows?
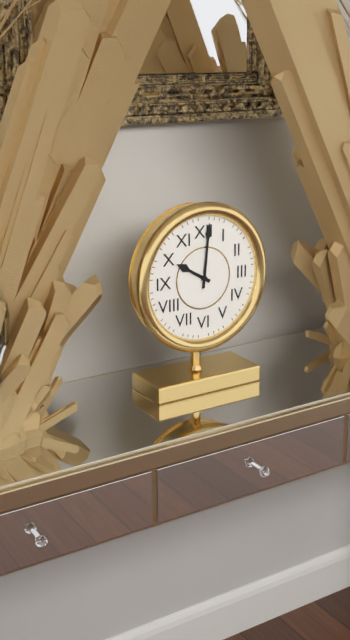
10:01
